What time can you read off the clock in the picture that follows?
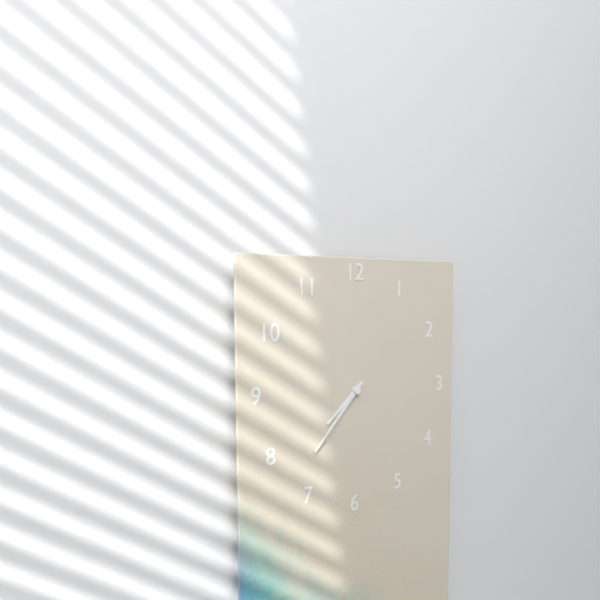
7:37
